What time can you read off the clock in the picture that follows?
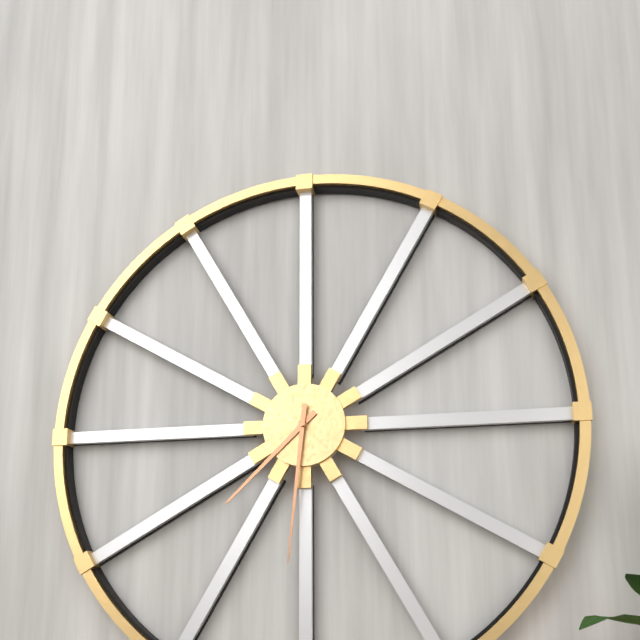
7:31
